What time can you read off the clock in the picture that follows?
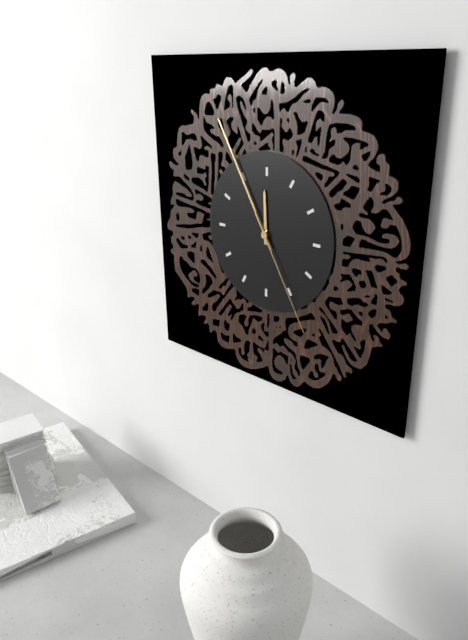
11:55:25
